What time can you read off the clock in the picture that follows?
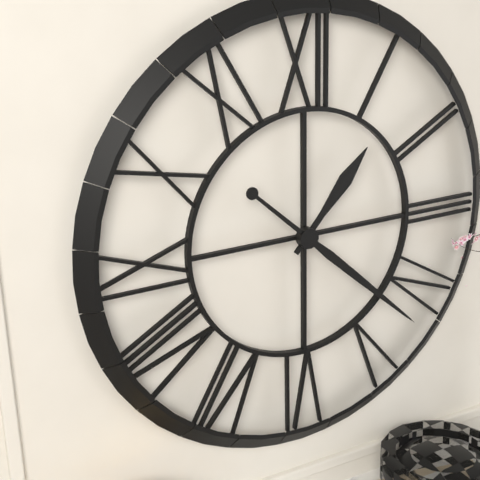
1:22
